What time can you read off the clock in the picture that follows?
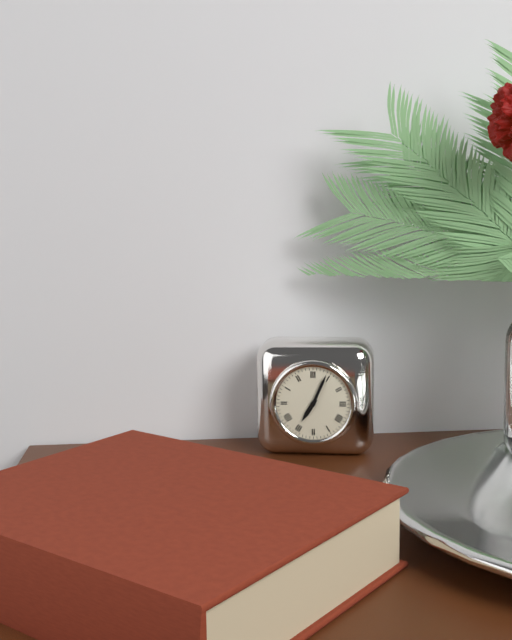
7:04
